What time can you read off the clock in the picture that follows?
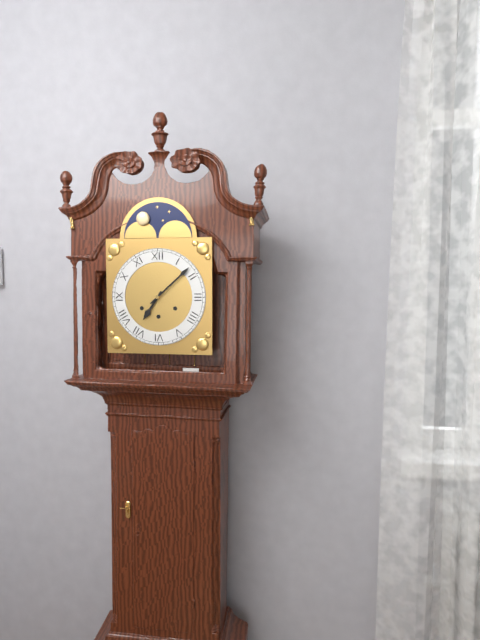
7:08
